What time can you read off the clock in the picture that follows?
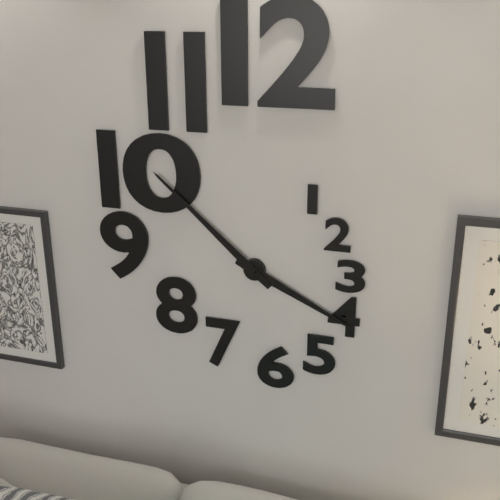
3:52
